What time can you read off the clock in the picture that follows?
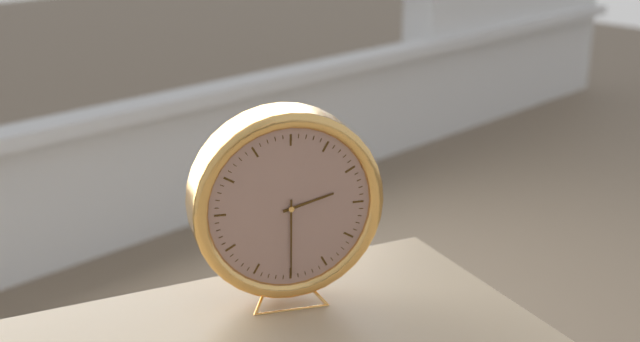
2:30
